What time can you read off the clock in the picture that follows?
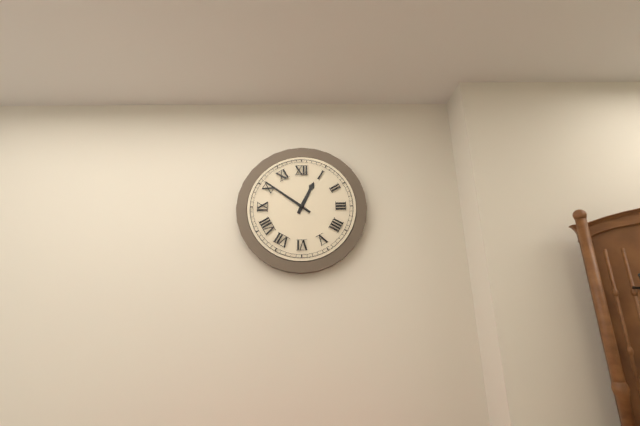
12:51
